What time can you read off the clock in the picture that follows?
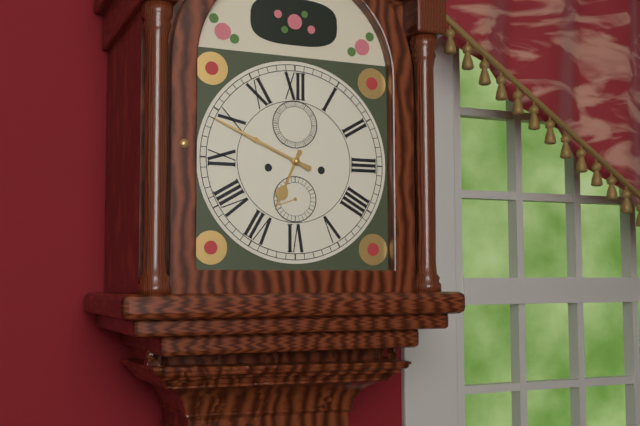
6:49
